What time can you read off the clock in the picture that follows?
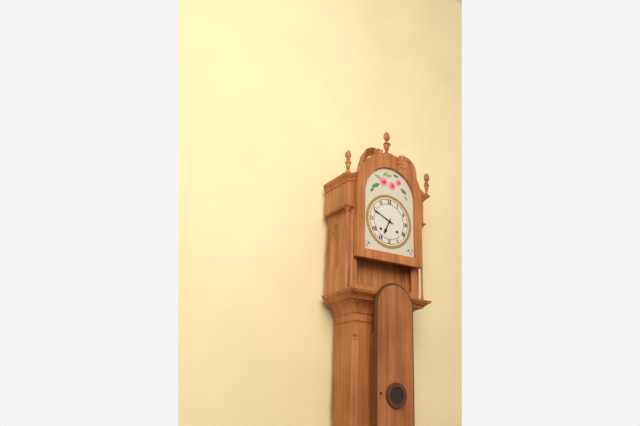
6:49
